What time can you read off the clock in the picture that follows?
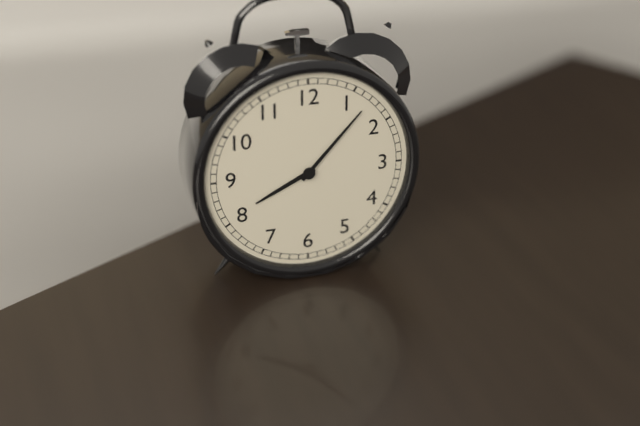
8:07
